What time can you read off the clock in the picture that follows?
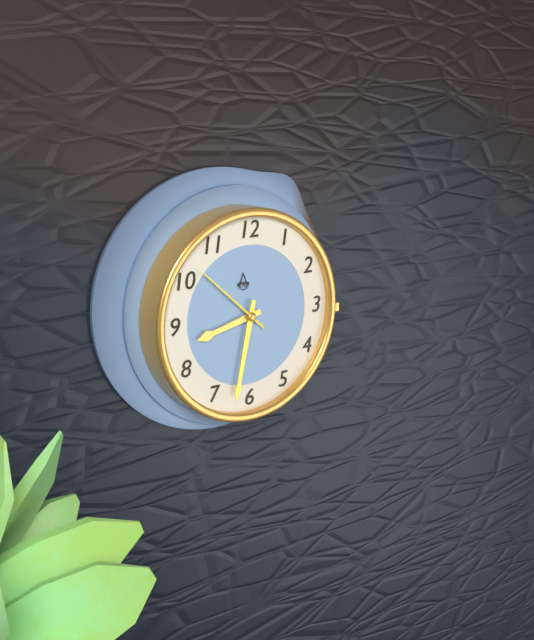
8:32:52
